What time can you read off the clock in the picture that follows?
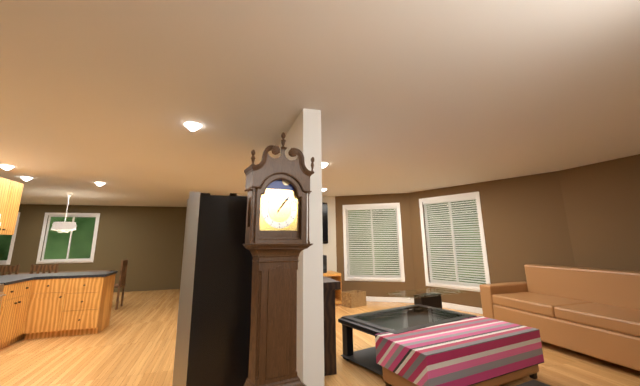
1:06
